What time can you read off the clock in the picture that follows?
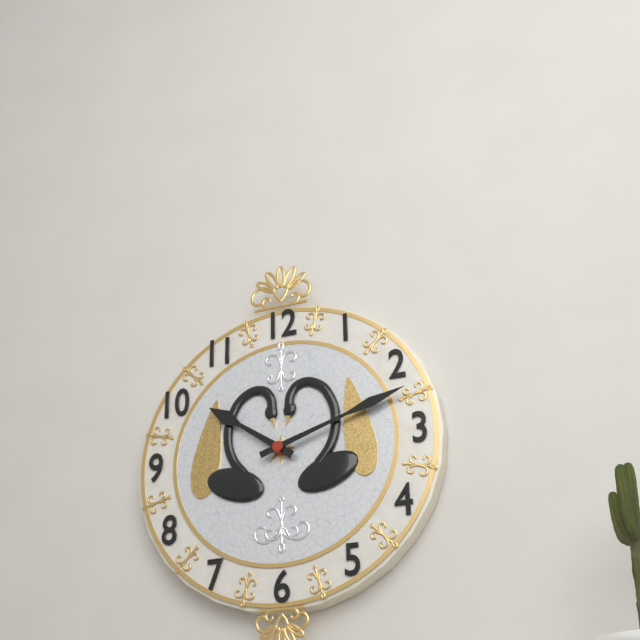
10:12
